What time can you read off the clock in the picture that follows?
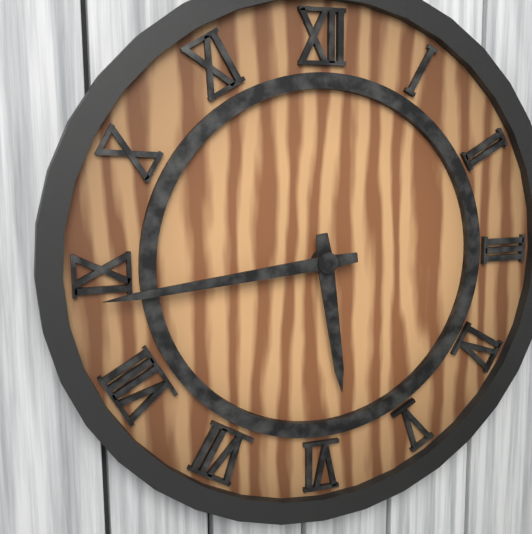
5:44
